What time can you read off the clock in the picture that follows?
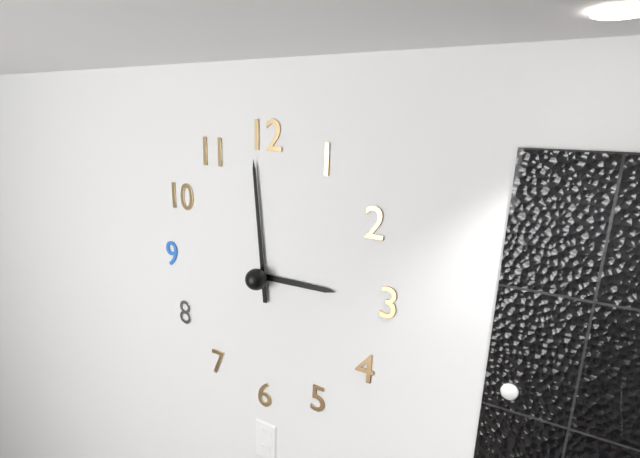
2:59
